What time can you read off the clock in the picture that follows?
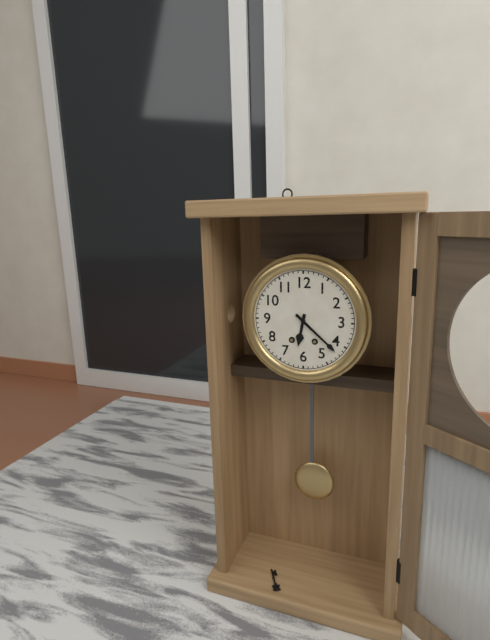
6:22
